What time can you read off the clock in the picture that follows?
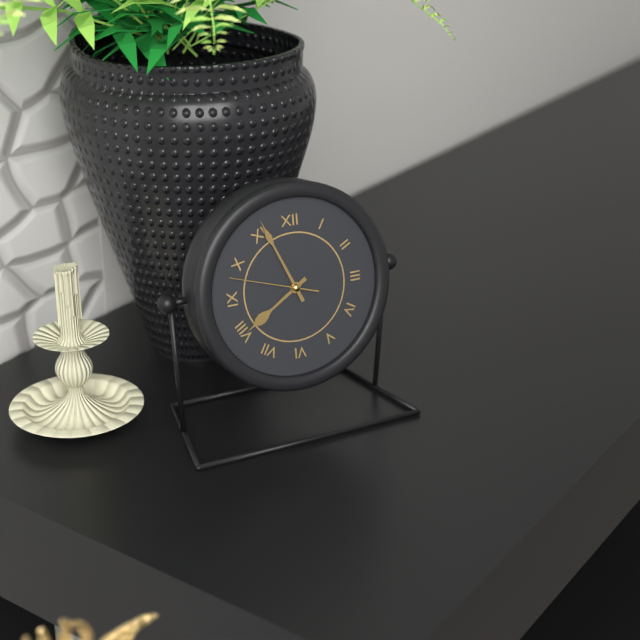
7:56:48
